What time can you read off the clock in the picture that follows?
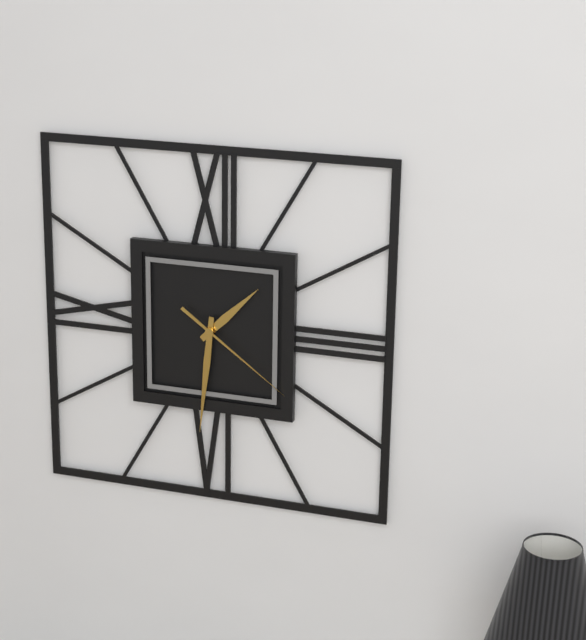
1:31:21
